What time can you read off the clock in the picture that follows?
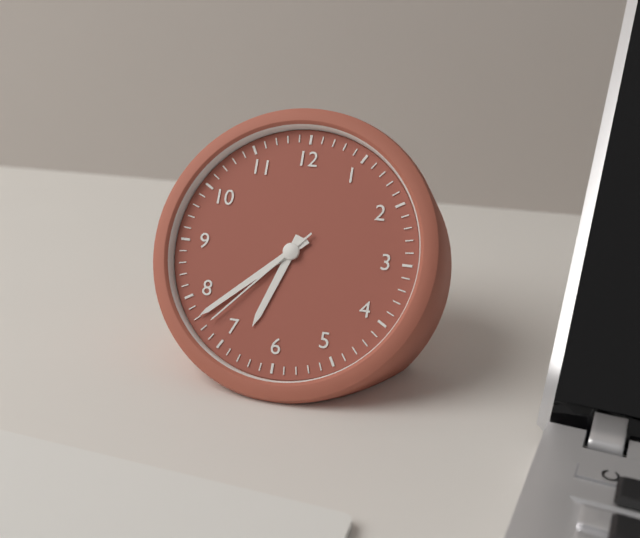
6:38:37
